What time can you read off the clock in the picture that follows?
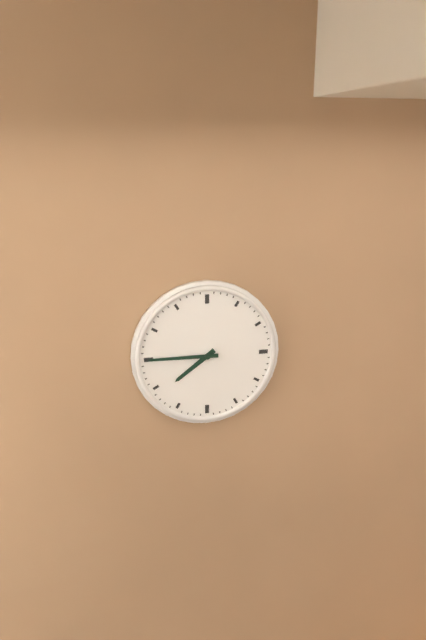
7:45
